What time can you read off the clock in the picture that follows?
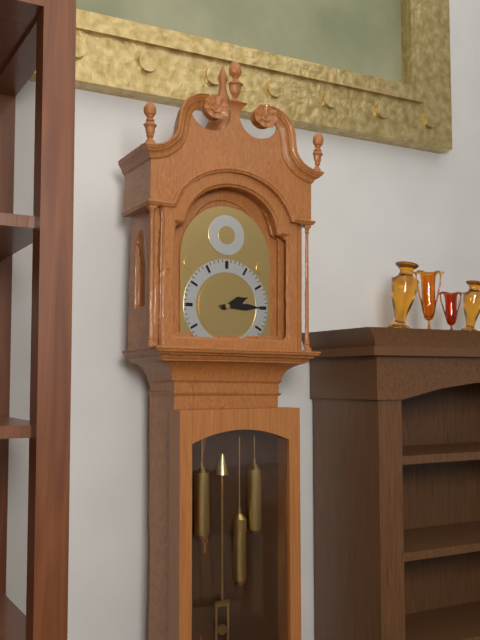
2:15
